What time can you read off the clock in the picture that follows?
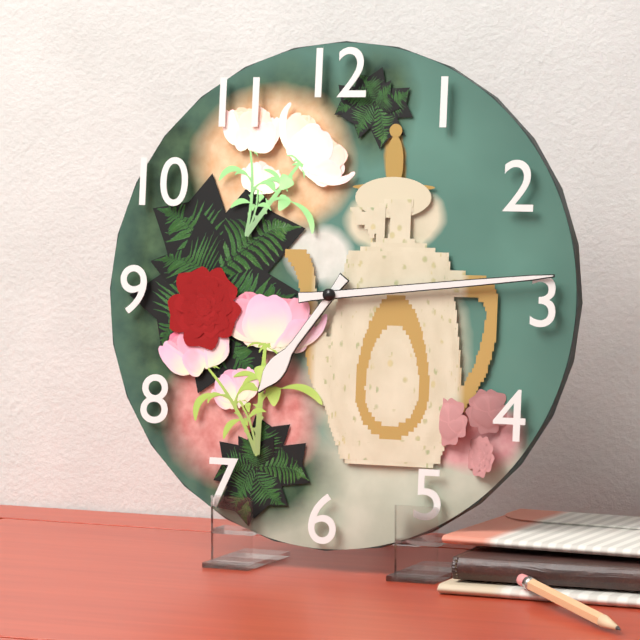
7:14
